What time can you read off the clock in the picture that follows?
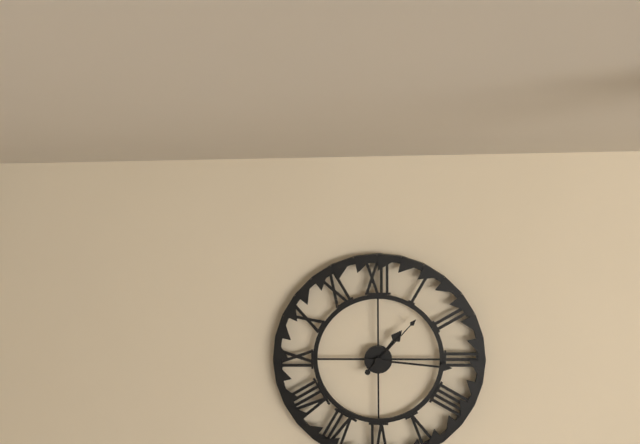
1:16:07
